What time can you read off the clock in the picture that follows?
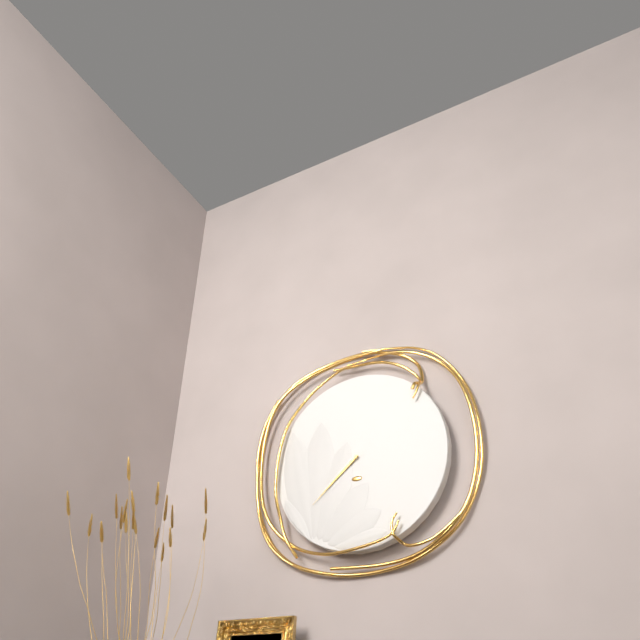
7:38
